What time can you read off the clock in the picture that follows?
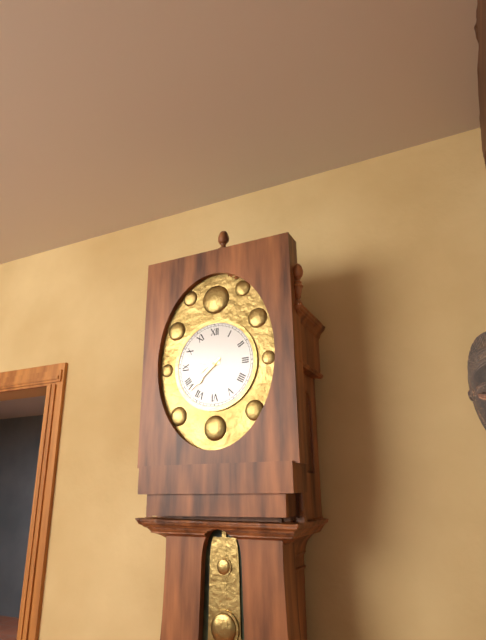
8:38
